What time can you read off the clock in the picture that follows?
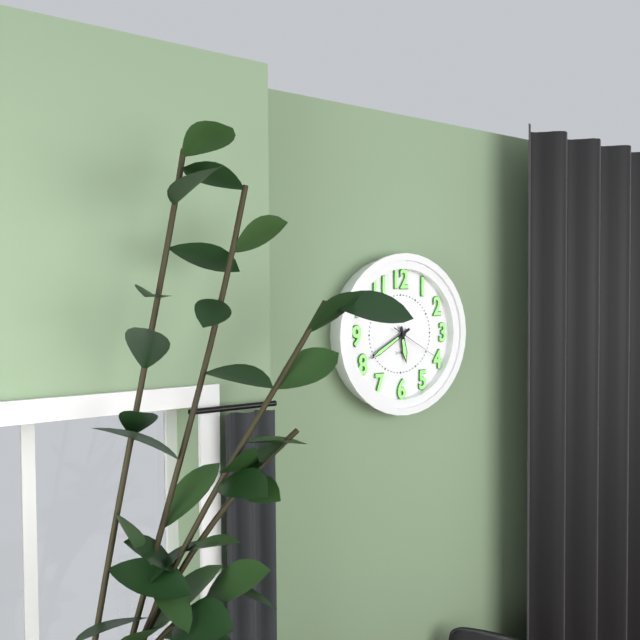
5:40:20
